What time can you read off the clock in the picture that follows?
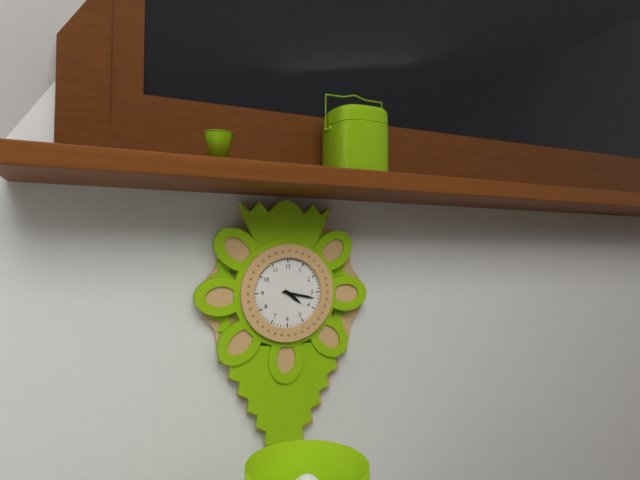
4:17
